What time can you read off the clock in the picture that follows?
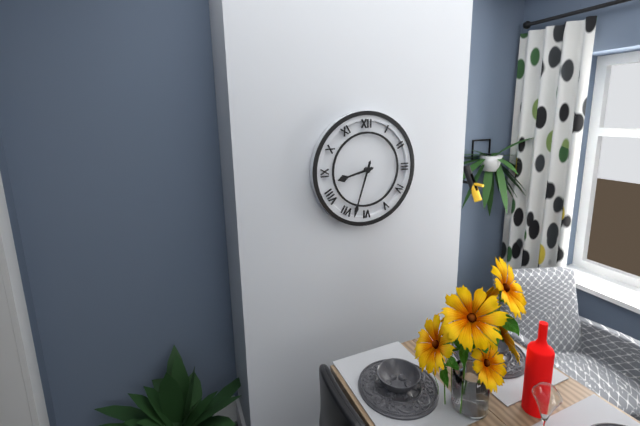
8:33
